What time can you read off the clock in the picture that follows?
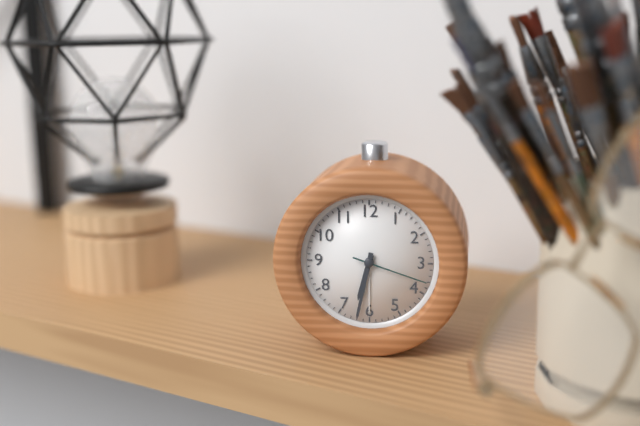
6:32:18
